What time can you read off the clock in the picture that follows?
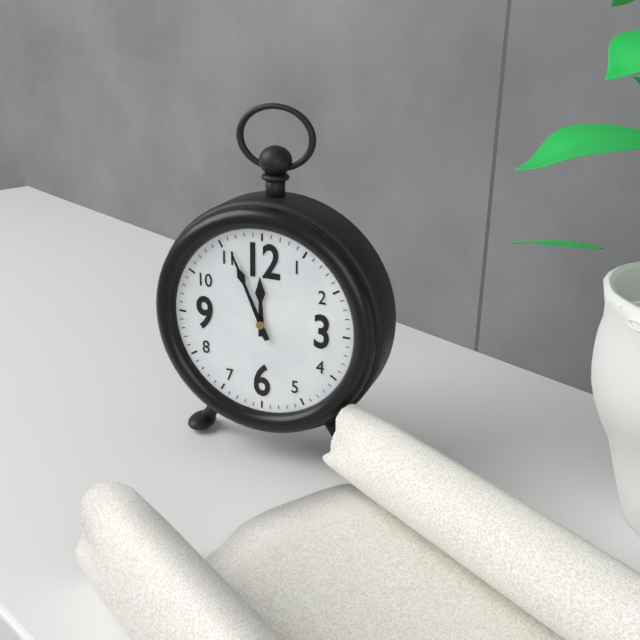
11:56
